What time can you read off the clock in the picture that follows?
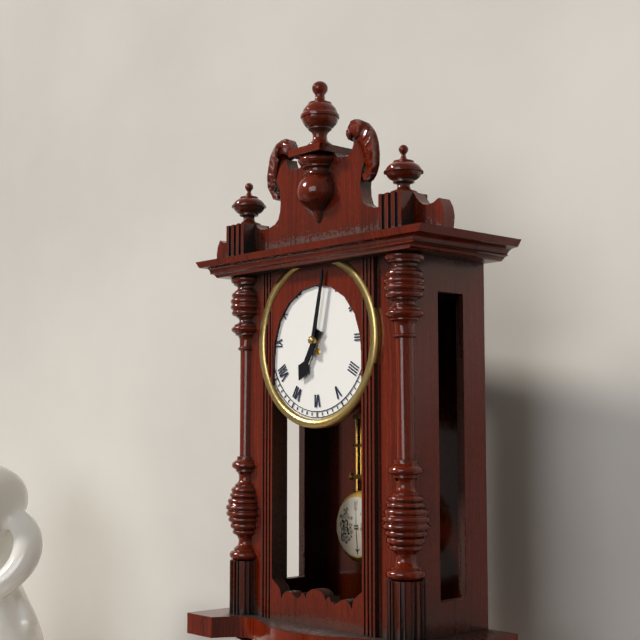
7:02
